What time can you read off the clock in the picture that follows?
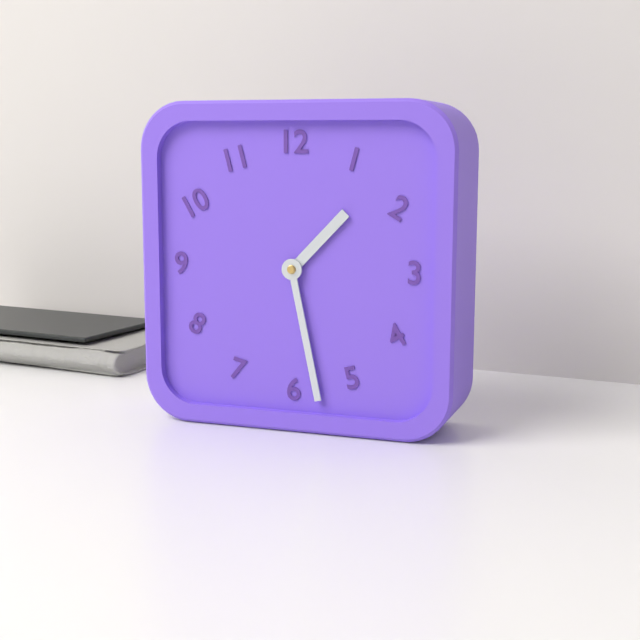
1:28
